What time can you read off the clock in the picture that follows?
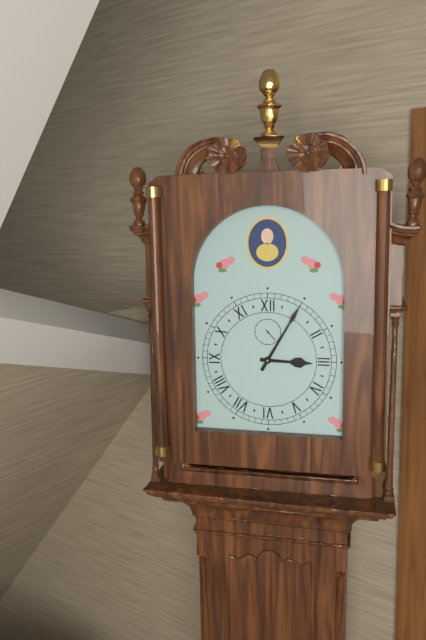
3:05
